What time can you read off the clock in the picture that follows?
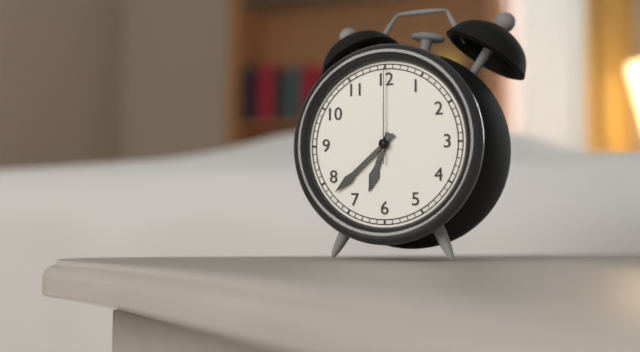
6:38:00
